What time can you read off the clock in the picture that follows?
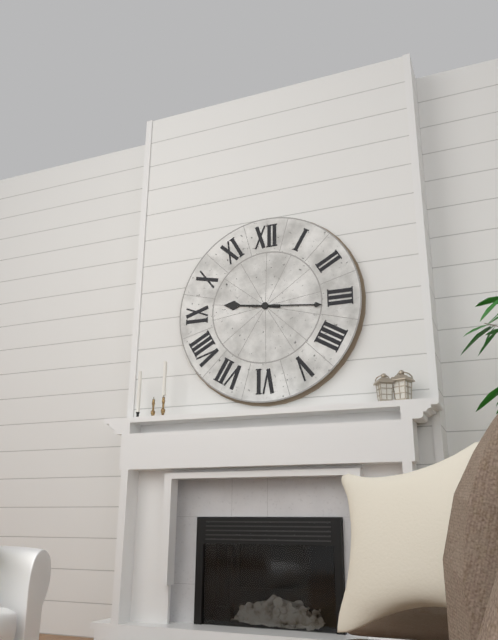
9:16
